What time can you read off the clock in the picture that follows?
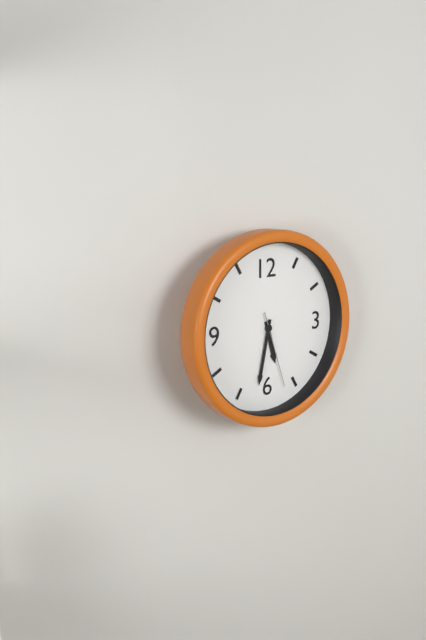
5:32:27
